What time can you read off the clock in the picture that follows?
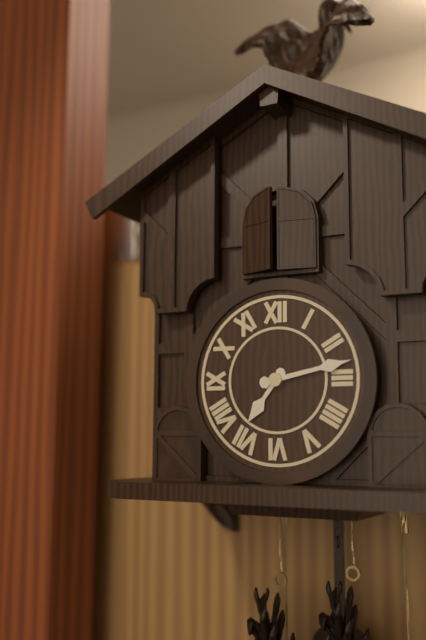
7:13
